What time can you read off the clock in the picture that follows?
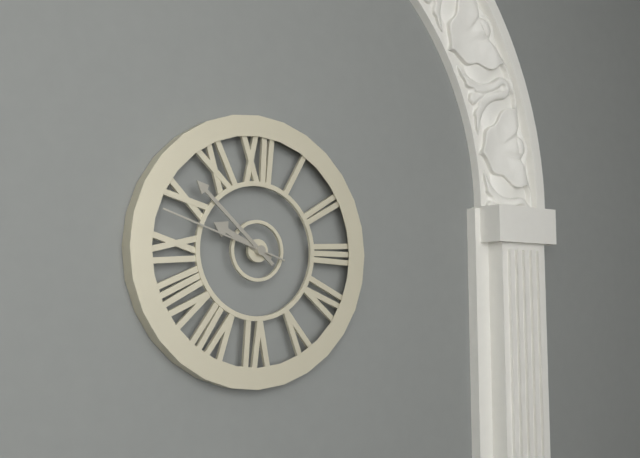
9:52:48
